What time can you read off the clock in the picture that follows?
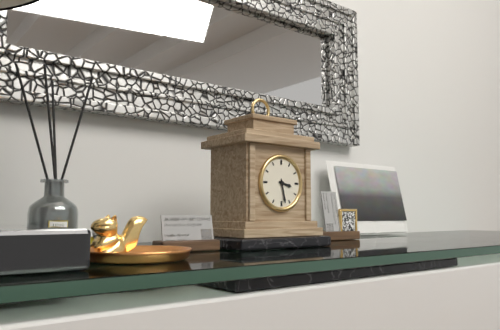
3:28
